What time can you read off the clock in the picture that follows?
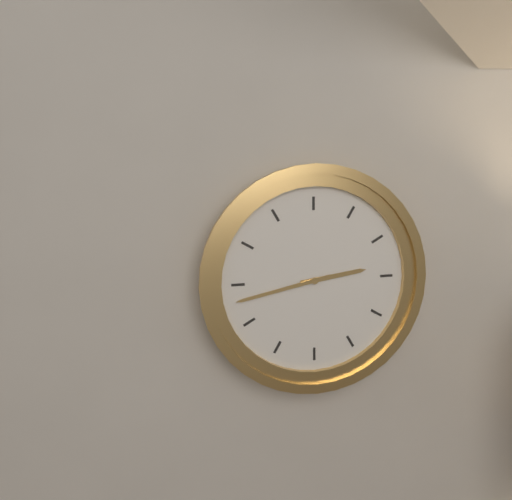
2:43
